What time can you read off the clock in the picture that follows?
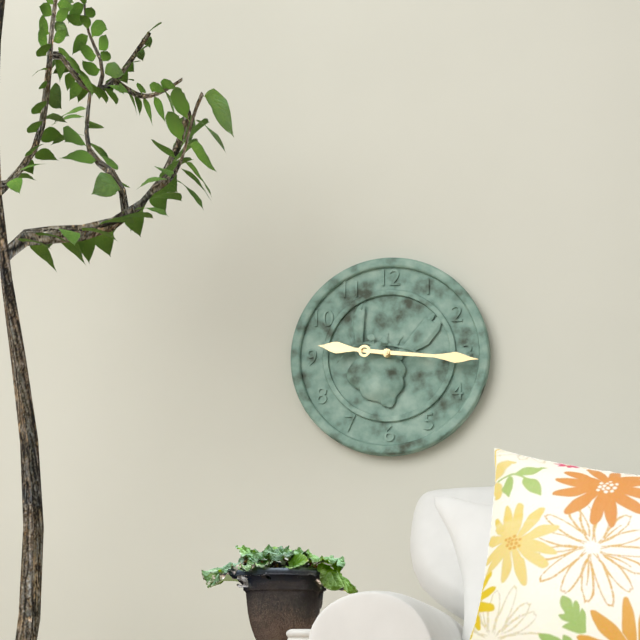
9:16
